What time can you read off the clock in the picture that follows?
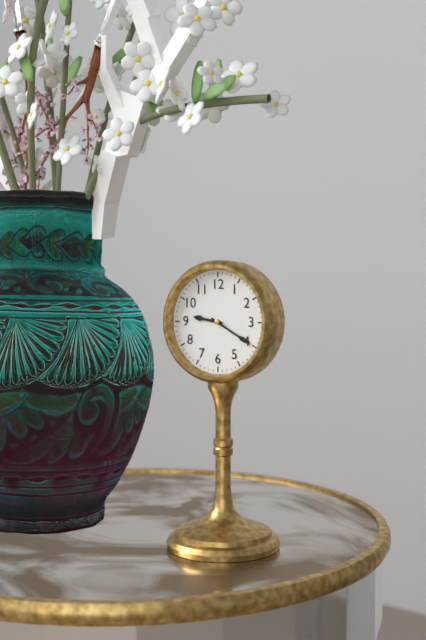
9:20
